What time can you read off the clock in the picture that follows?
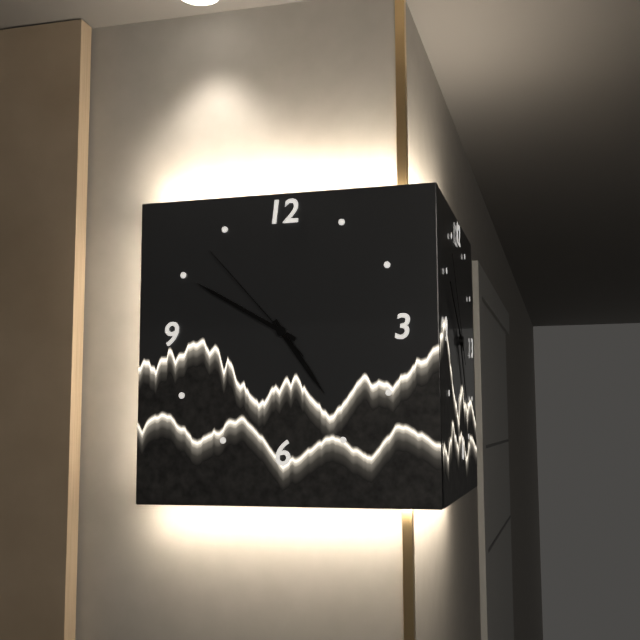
4:50:53
